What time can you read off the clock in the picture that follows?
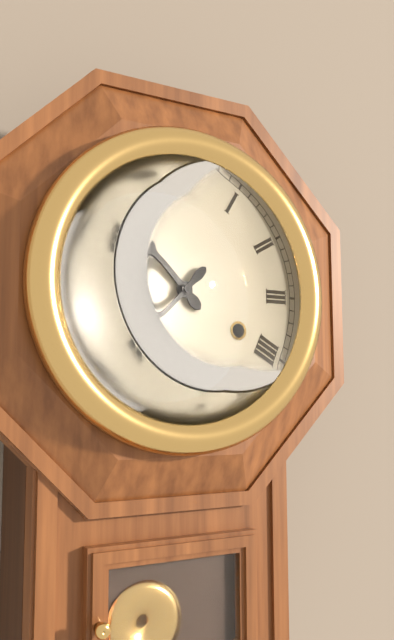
10:37
